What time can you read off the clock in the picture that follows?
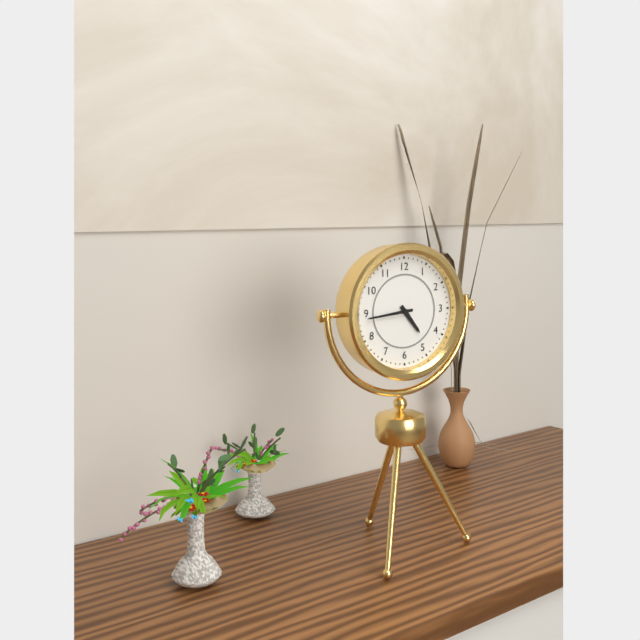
4:44
